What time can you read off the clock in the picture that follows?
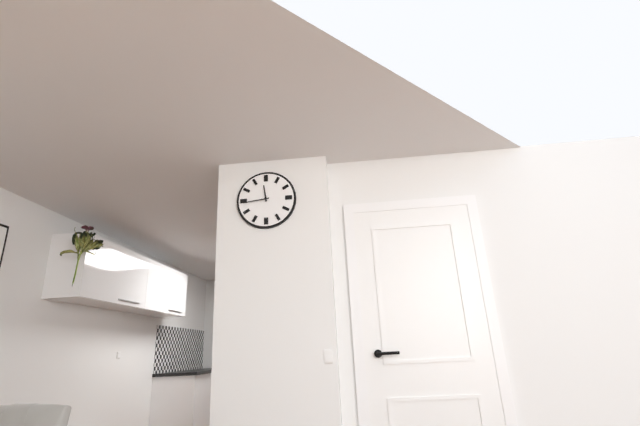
11:44
